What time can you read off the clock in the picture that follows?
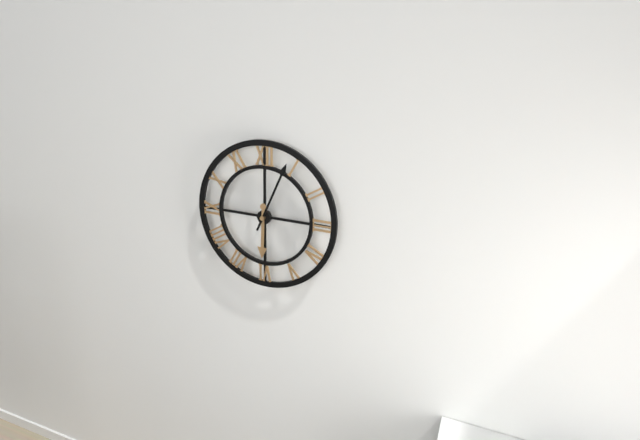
6:04
